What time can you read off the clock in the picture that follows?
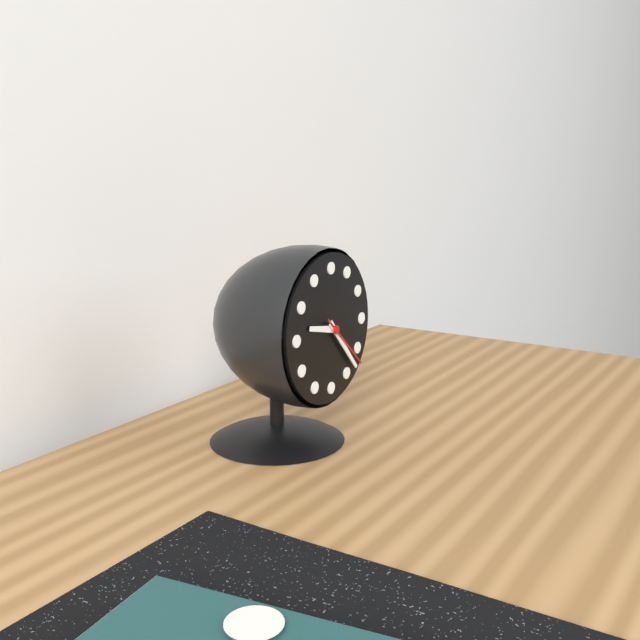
9:23:22
